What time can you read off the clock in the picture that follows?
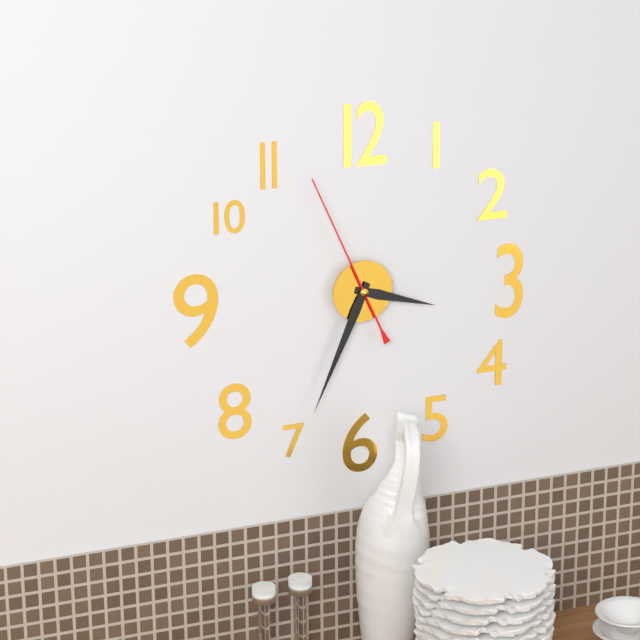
3:34:56
